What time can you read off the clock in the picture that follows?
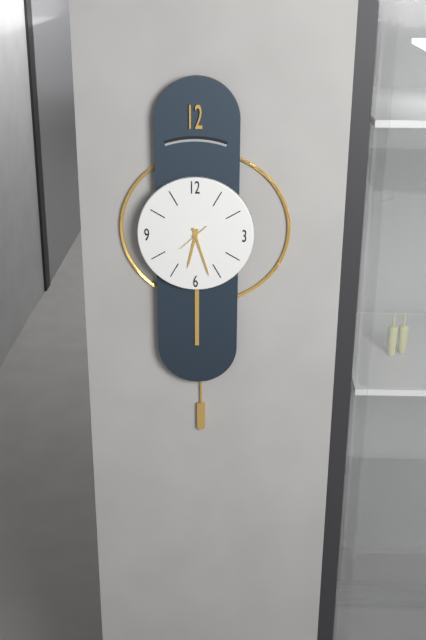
6:27
